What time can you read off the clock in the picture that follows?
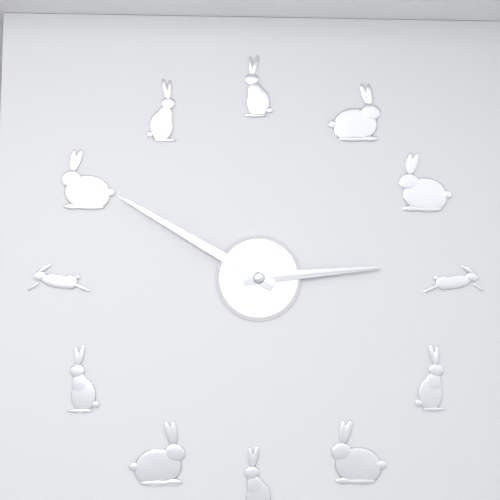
2:50
